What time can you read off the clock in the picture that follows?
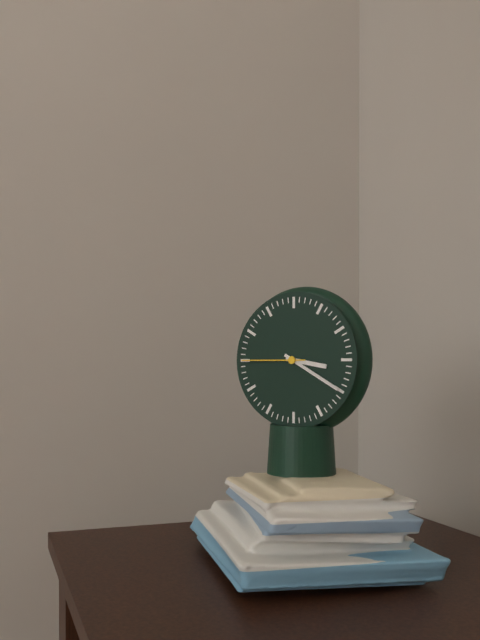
3:20:45
